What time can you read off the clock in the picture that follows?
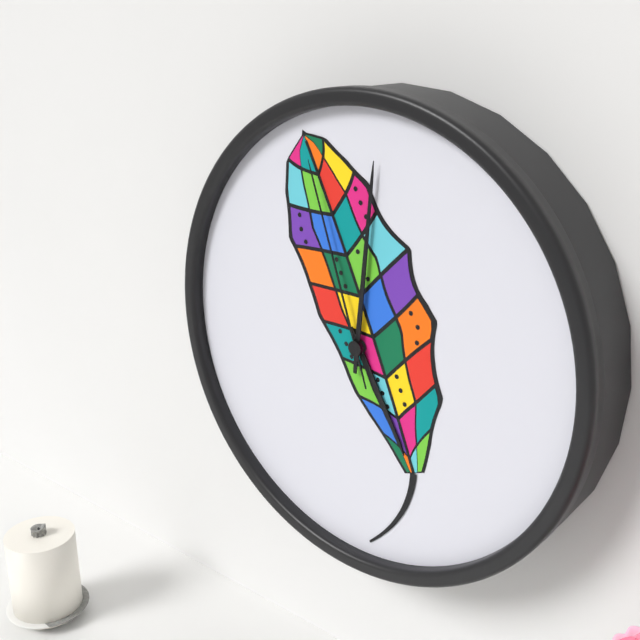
5:01:57
